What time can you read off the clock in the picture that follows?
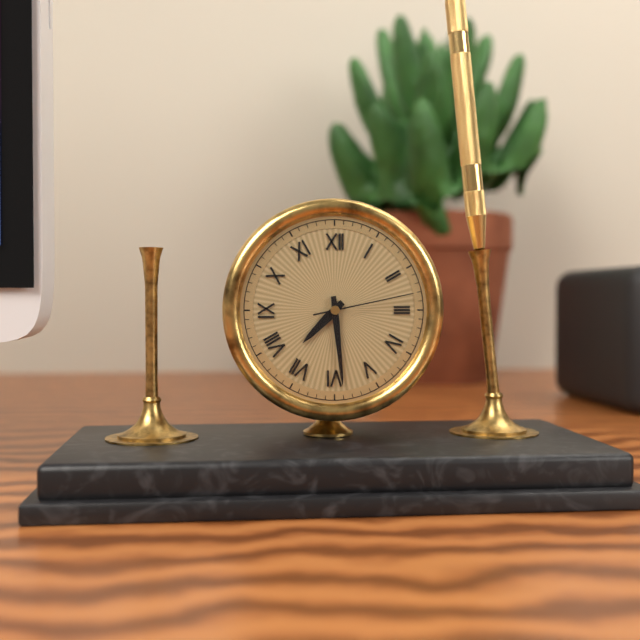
7:29:13
